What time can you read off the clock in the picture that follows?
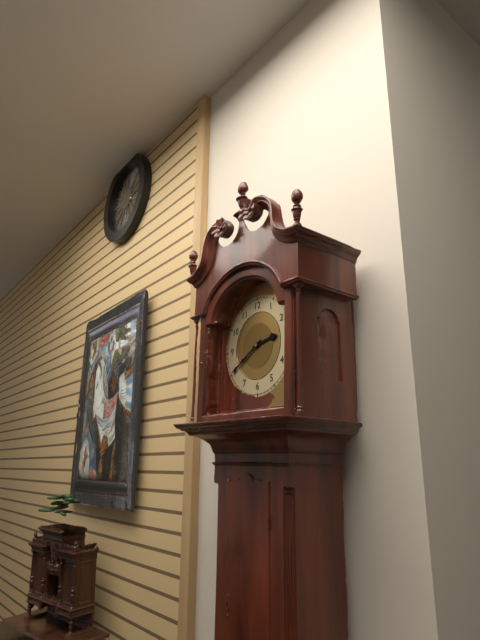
2:40
